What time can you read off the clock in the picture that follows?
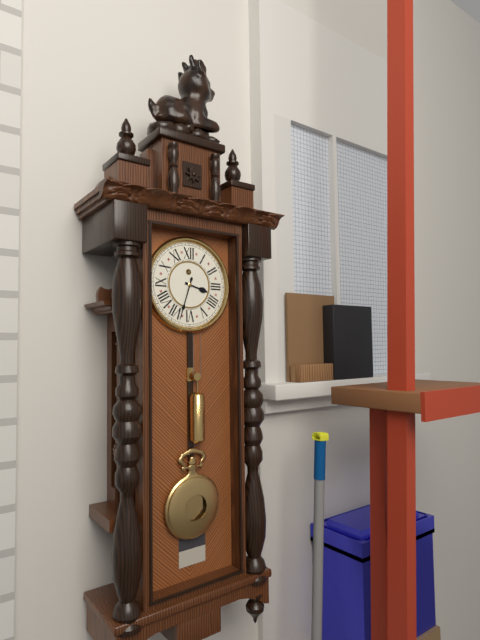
3:33
